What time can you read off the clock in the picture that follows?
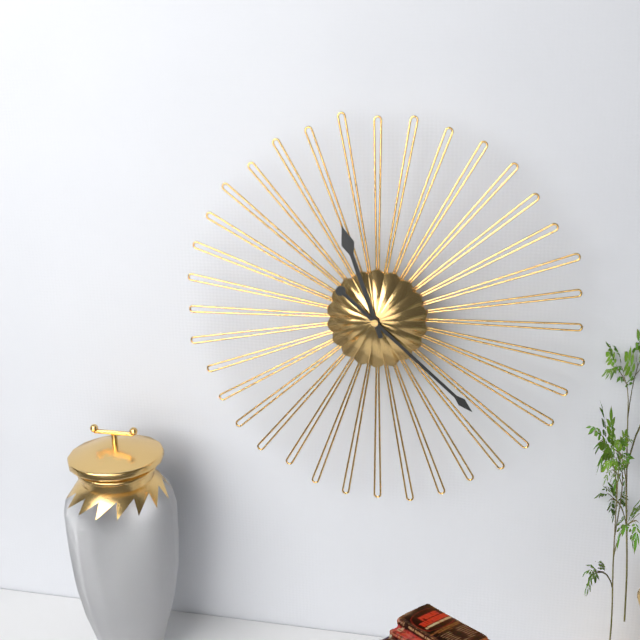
11:22
